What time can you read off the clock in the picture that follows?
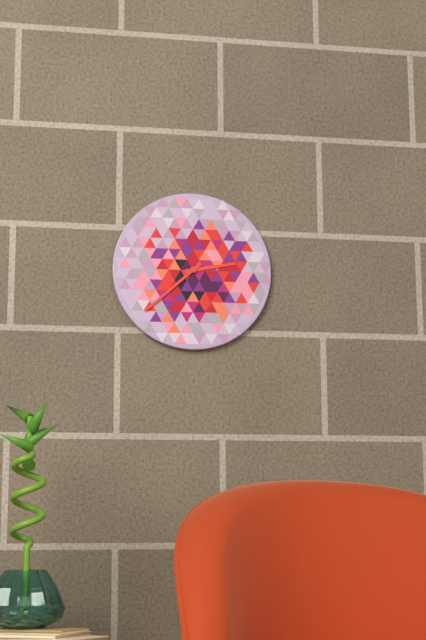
2:38
